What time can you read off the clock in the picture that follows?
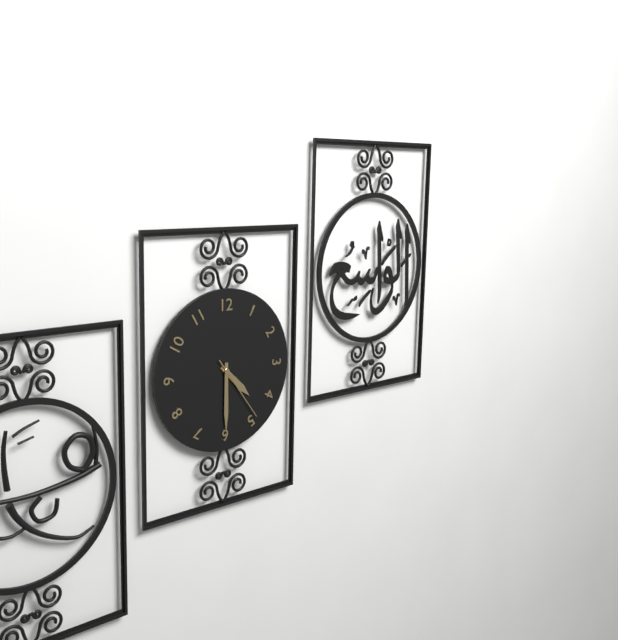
4:30:24
